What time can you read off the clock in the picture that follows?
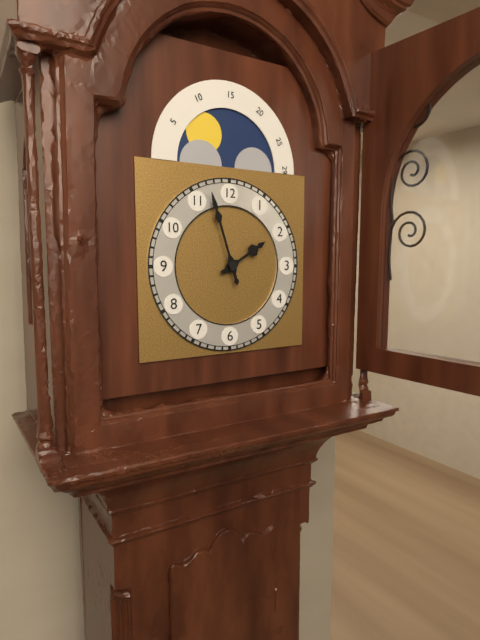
1:57
